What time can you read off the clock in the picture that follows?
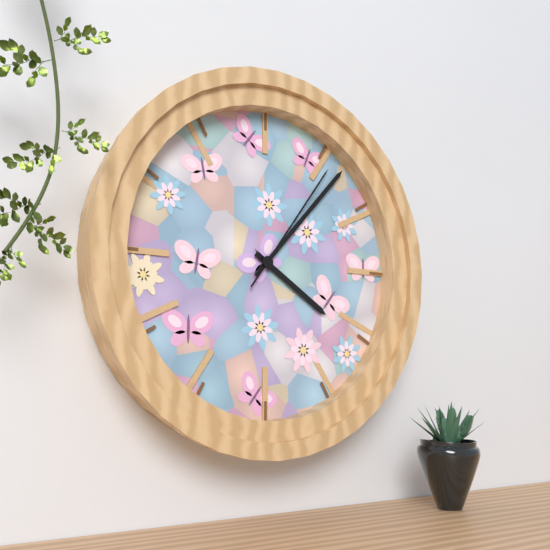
4:07:06
